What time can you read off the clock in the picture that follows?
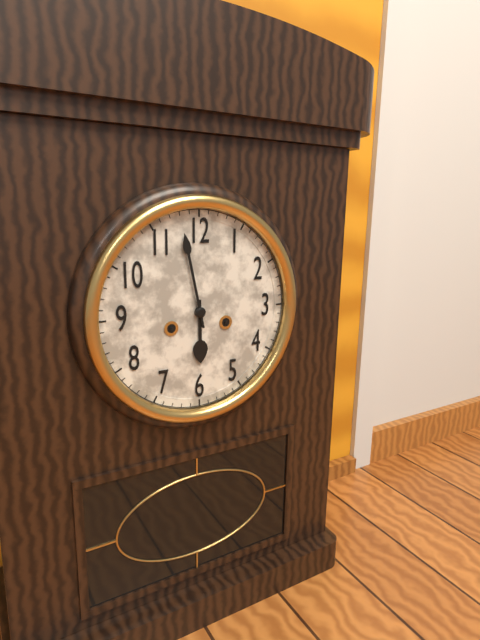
5:58
